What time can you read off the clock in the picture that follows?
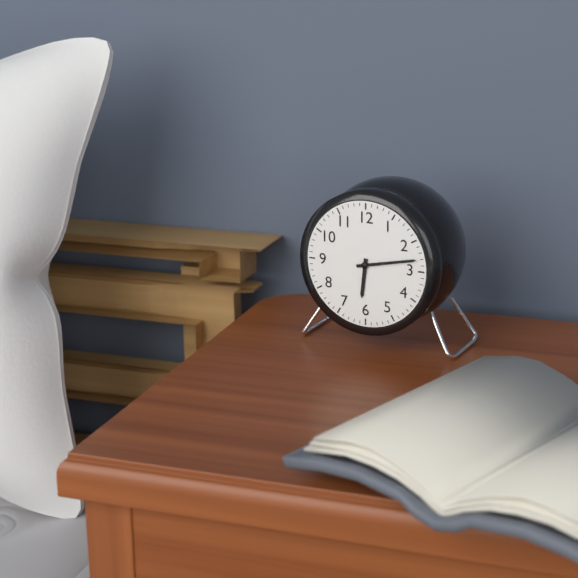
6:13
